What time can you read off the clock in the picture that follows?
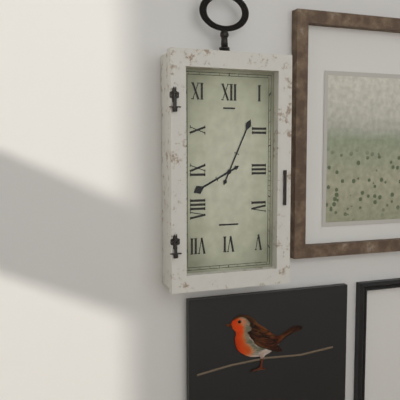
8:04
